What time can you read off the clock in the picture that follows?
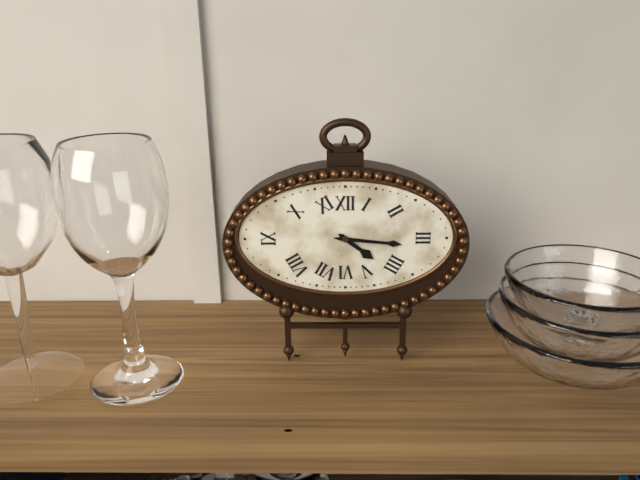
4:16
